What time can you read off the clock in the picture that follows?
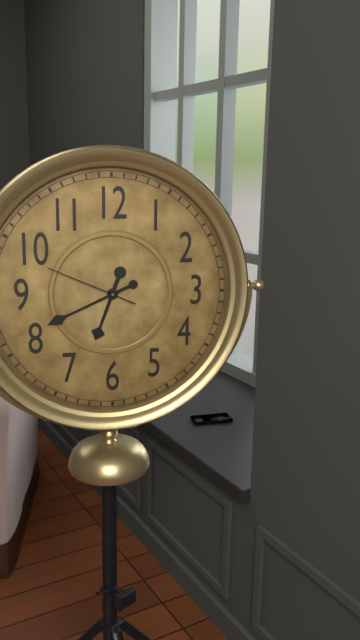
6:41:49
